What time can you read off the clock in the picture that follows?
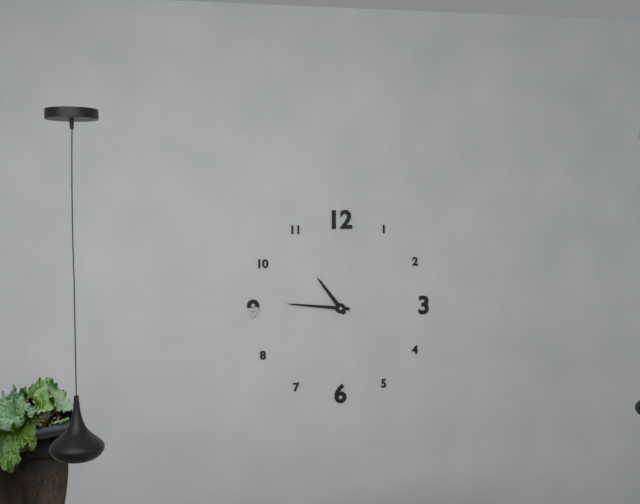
10:46
